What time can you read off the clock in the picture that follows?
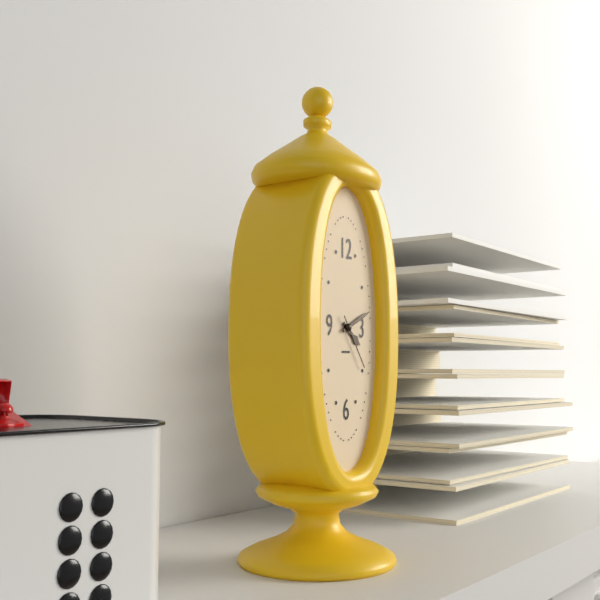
4:11:24
